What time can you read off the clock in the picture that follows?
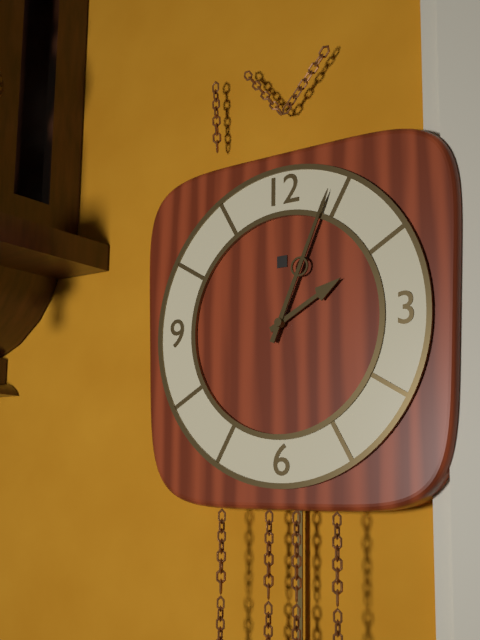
2:04
